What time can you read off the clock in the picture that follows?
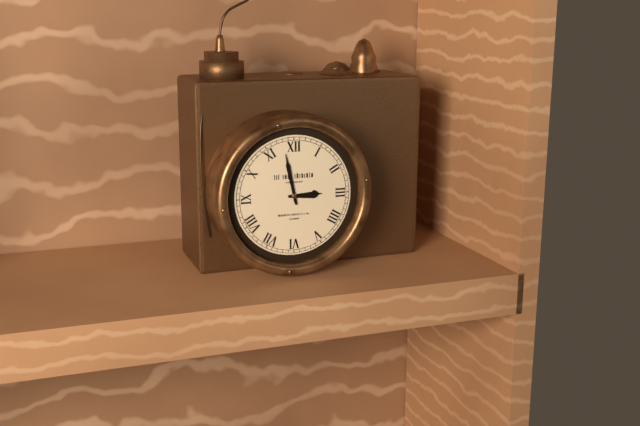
2:58
